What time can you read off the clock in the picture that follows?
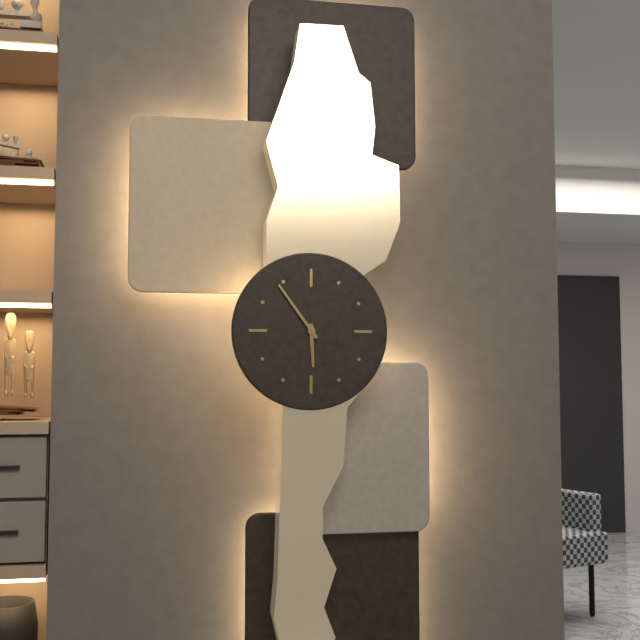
5:54
